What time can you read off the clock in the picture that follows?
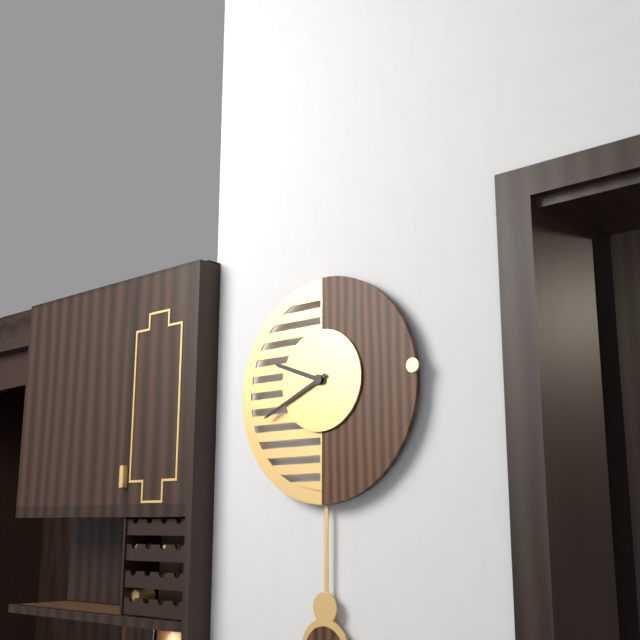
9:41
